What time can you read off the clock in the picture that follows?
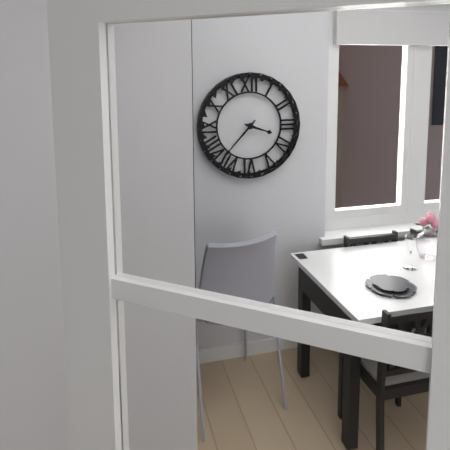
3:37
